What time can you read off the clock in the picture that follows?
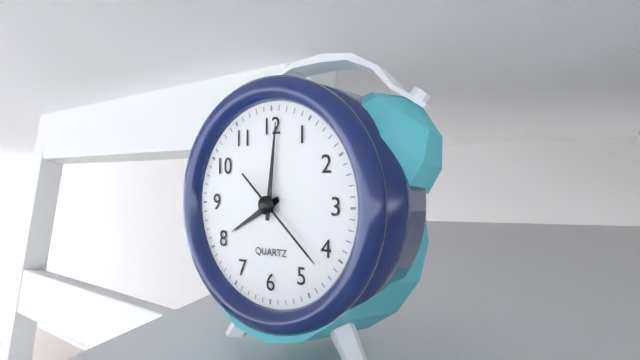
8:01:22
